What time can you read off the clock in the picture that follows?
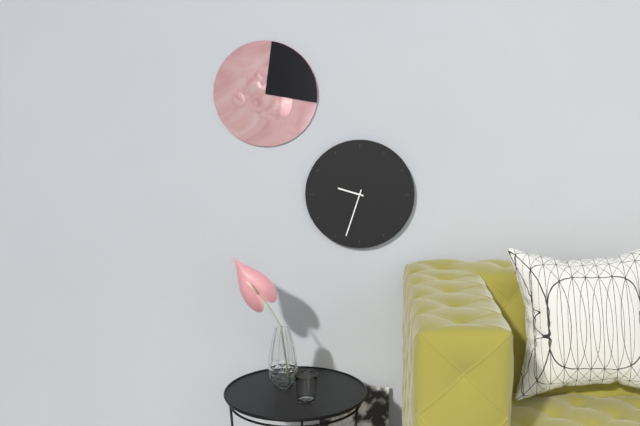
9:33
